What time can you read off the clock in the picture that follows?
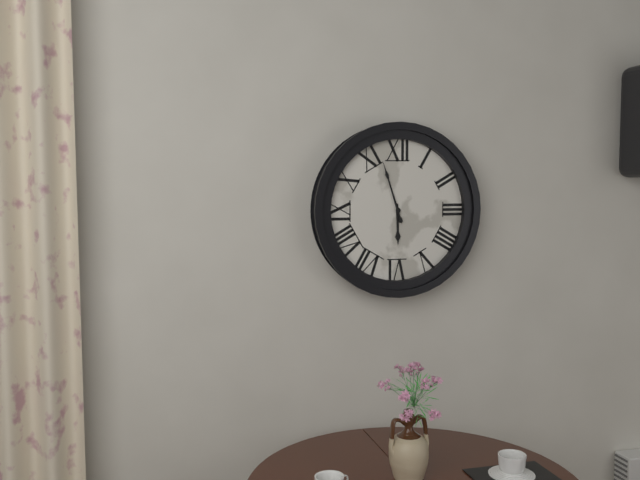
5:57
